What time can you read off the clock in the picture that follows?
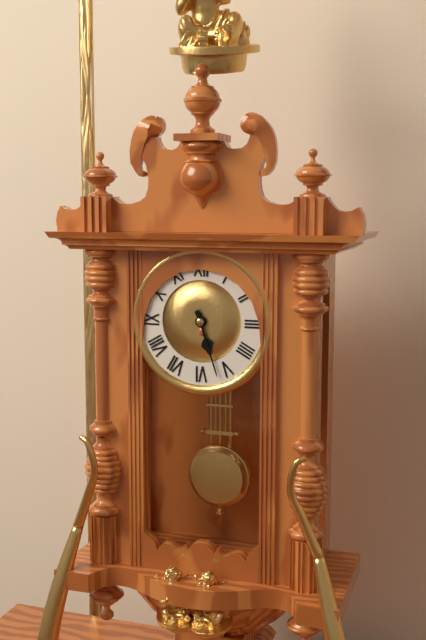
5:27
